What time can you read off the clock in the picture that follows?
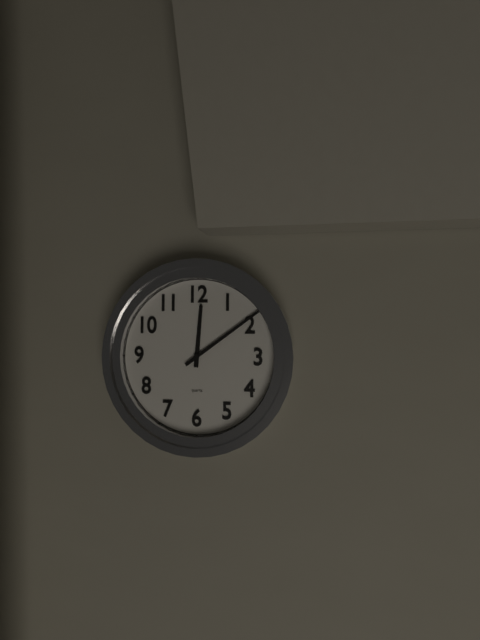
12:09
